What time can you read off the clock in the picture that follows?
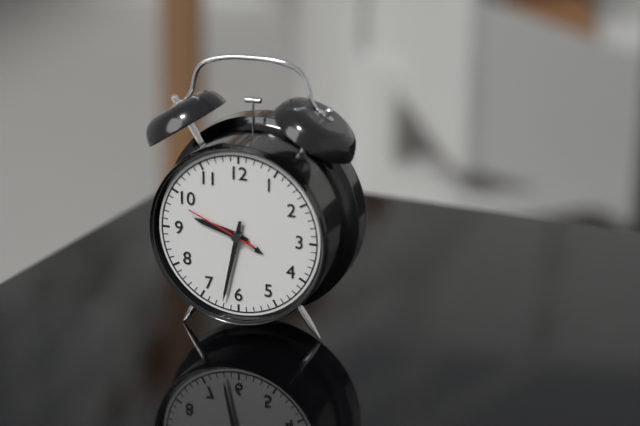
9:32:49
